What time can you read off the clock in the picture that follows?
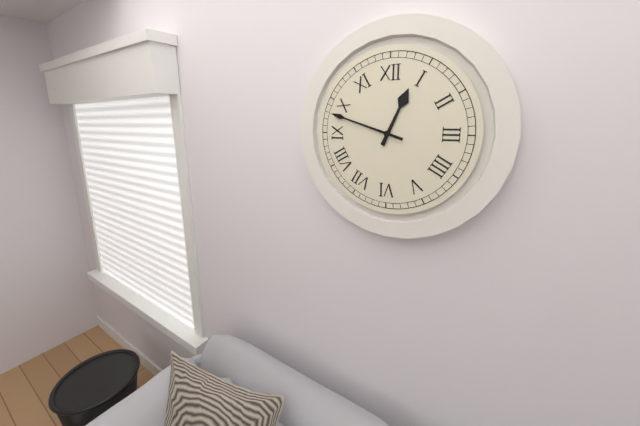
12:48
